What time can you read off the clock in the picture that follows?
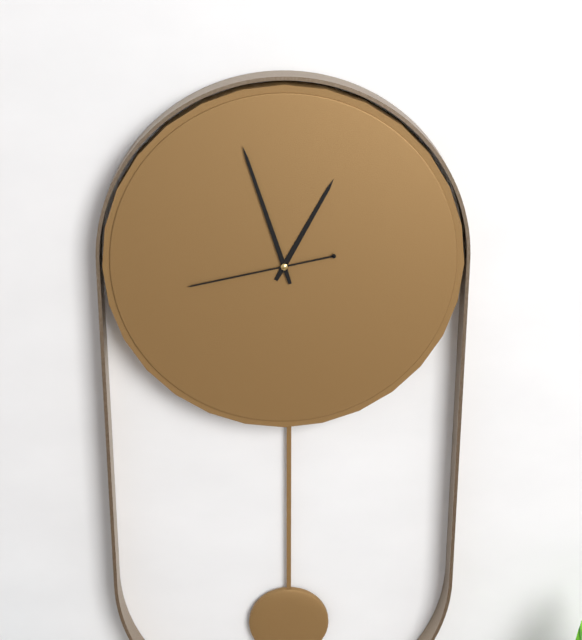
12:57:43
